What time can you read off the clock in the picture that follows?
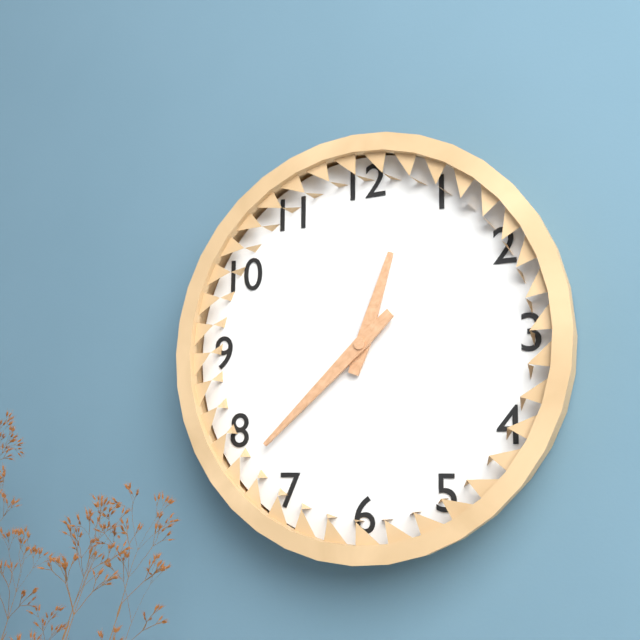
12:38
